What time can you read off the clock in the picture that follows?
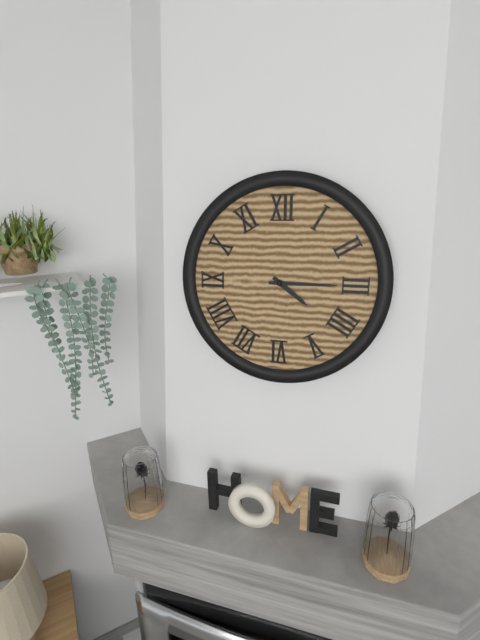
4:15
